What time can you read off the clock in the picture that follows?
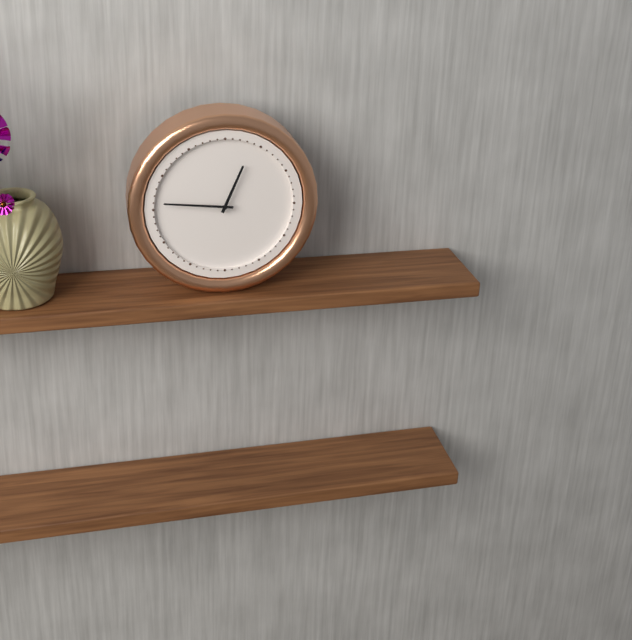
12:46
